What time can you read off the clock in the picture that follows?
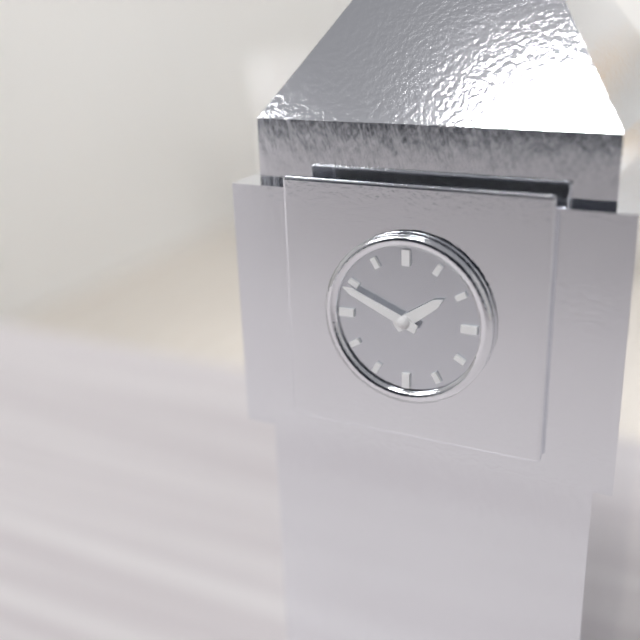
1:49
